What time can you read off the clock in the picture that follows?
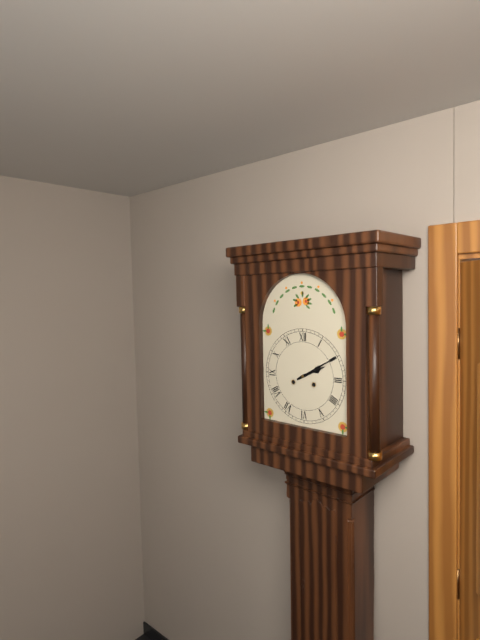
2:10
